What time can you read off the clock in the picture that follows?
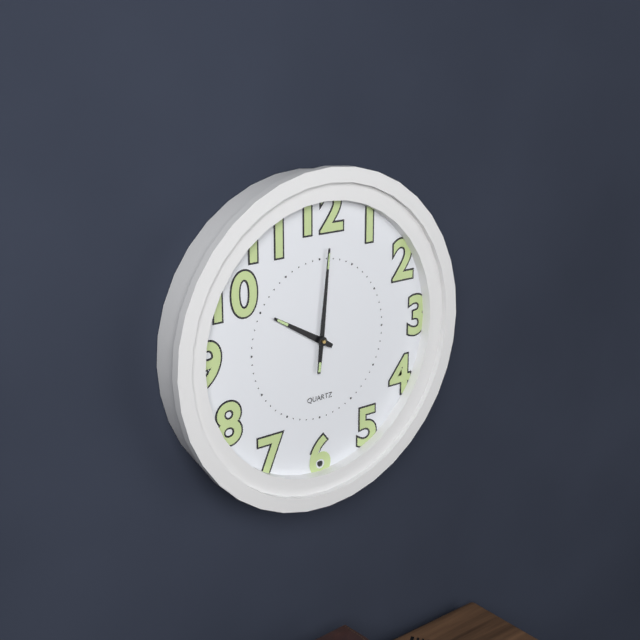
10:01
